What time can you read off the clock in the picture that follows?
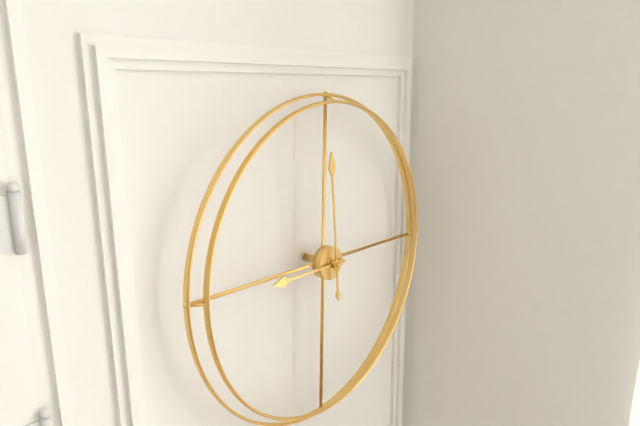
8:59
